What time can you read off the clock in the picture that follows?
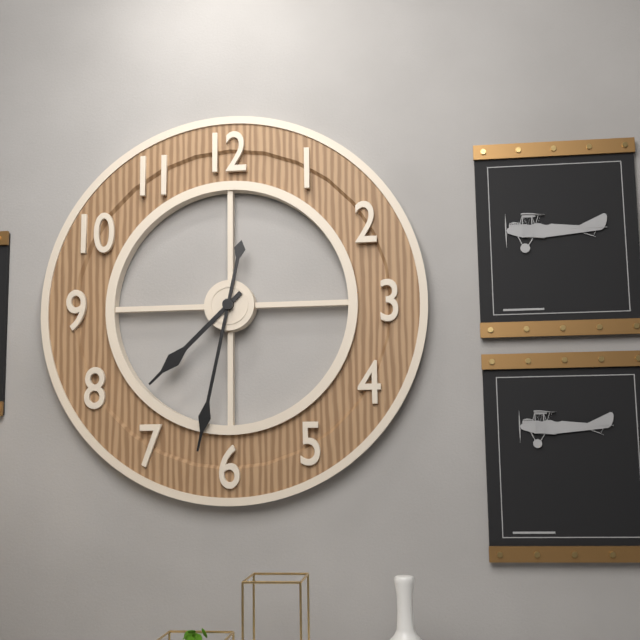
7:32
